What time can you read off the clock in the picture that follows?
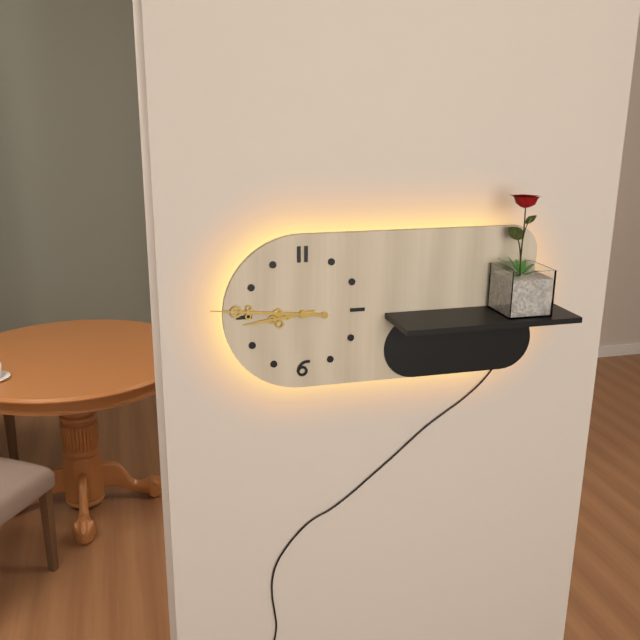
8:46
